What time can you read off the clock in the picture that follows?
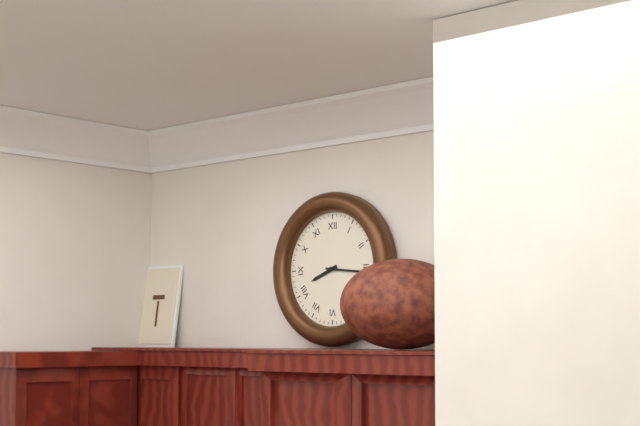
8:16
